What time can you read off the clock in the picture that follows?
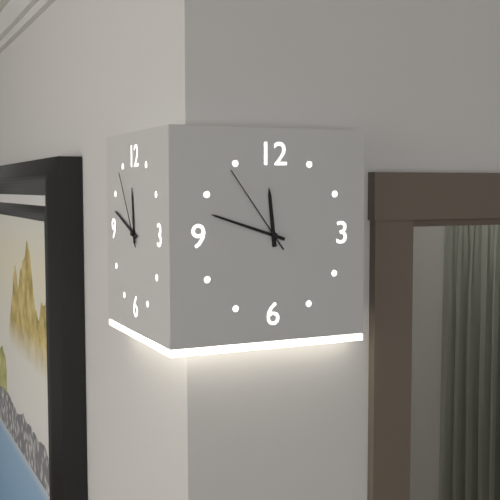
11:48:54
